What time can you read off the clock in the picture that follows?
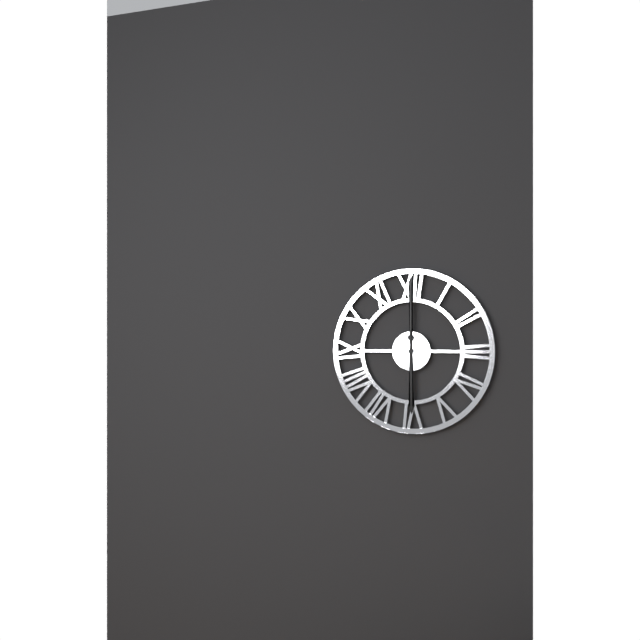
6:00
